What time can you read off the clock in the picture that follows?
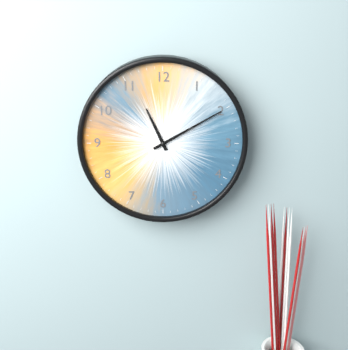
11:10
